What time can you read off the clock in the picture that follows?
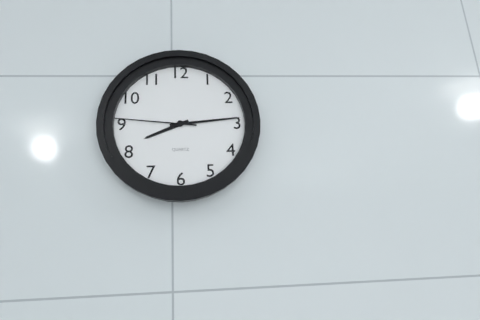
8:14:46
